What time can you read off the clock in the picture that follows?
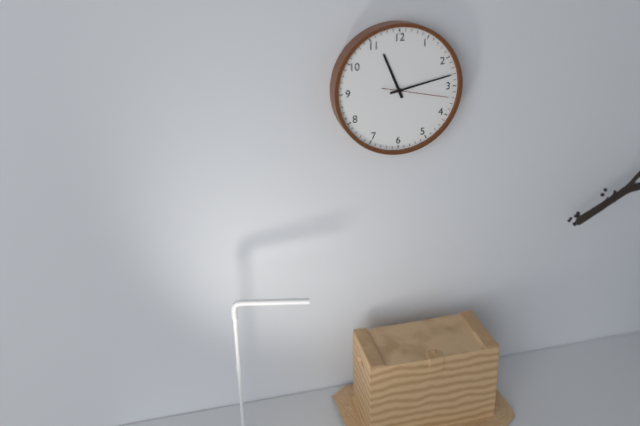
11:13:17
